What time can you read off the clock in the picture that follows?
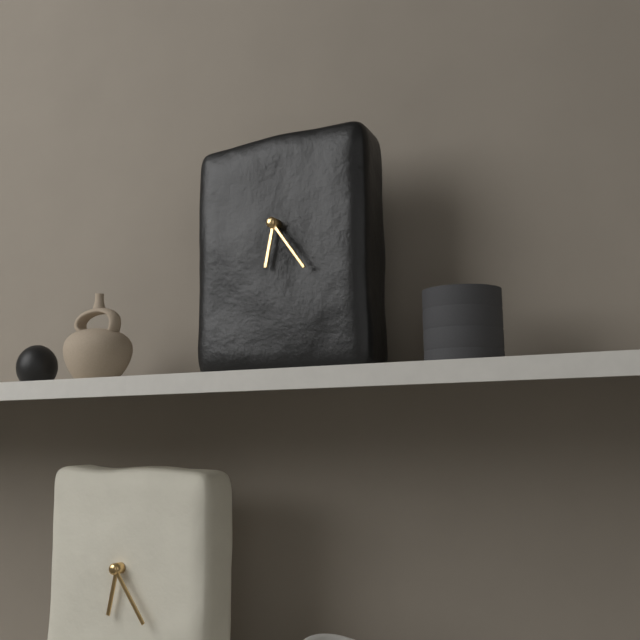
6:24
